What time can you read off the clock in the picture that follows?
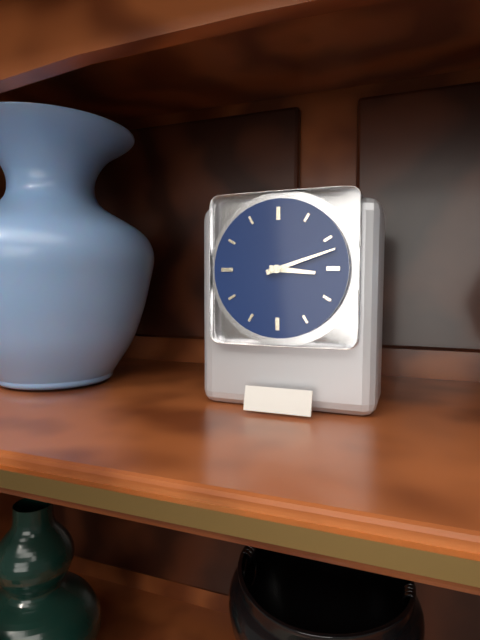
3:12
